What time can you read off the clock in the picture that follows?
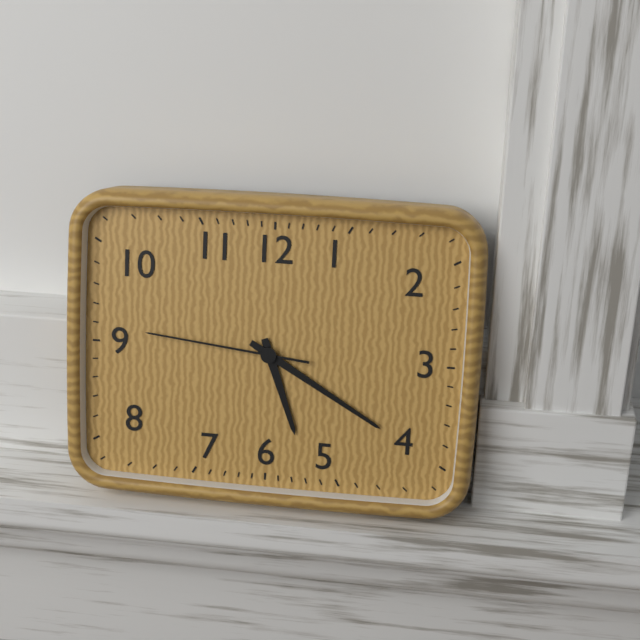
5:20:46
